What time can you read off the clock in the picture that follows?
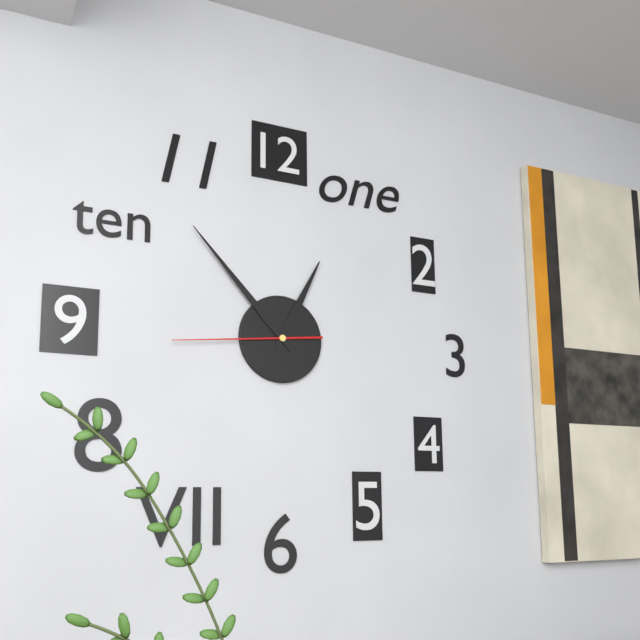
12:53:44
